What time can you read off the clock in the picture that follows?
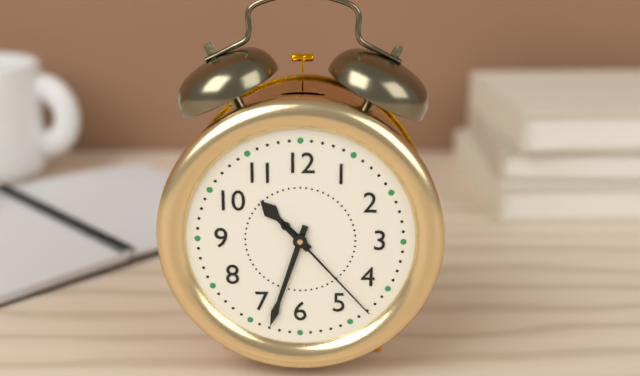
10:33:23
